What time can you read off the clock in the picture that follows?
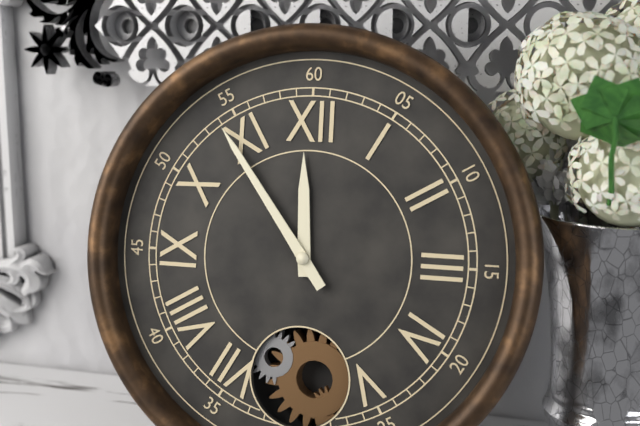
11:54
